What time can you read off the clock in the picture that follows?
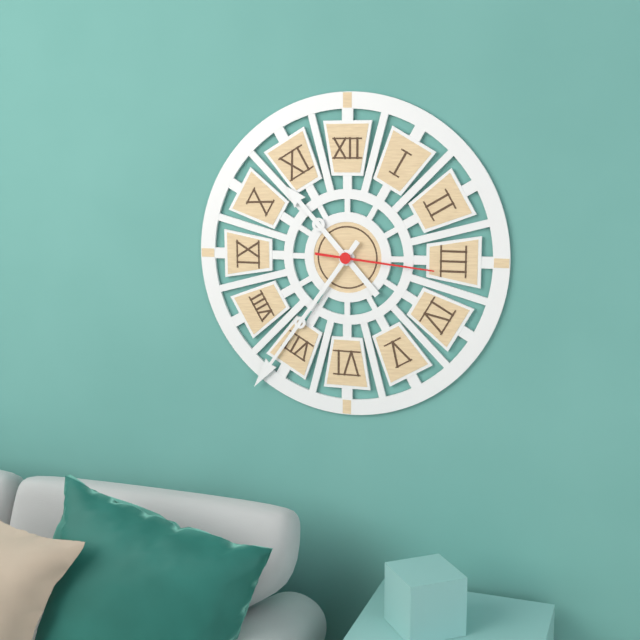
10:36:16
